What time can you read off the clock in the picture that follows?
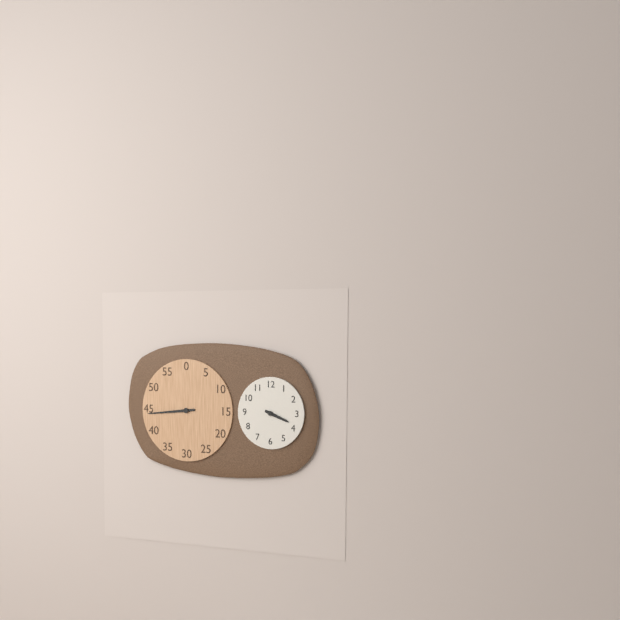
3:44
